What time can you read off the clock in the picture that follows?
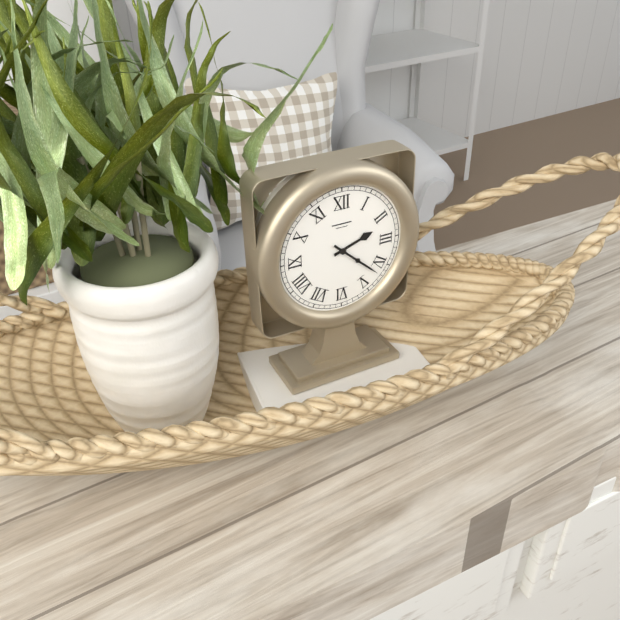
2:22
